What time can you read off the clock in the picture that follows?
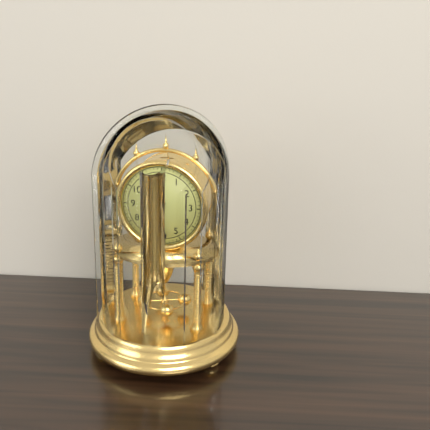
7:29
